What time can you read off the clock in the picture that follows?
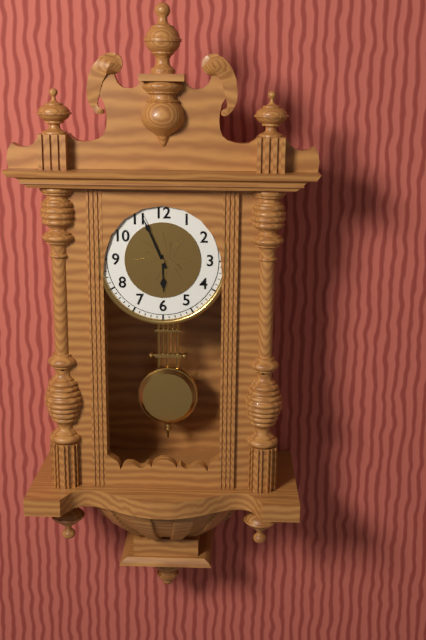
5:56
